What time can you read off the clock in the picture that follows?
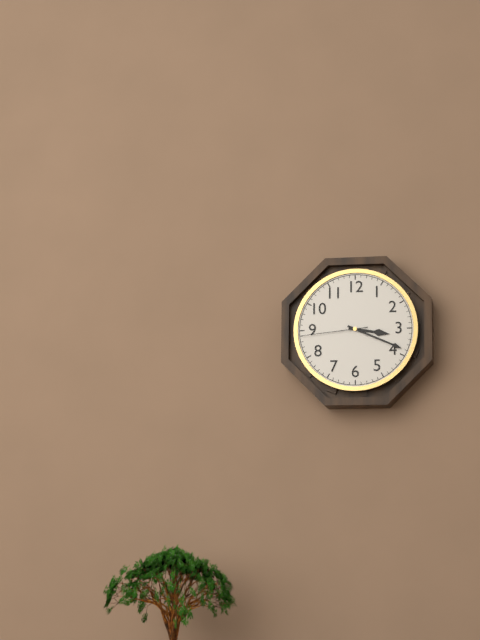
3:19:44
